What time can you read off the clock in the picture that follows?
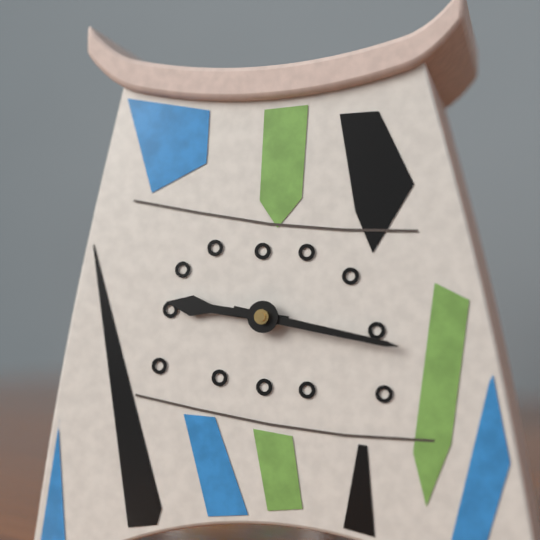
9:17
